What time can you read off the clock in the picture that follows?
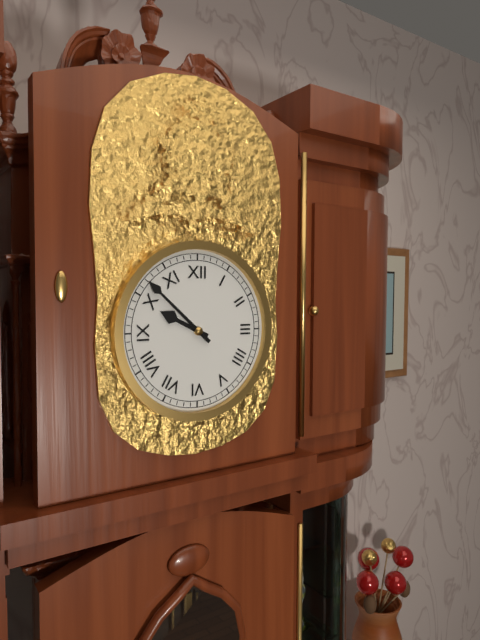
9:52
